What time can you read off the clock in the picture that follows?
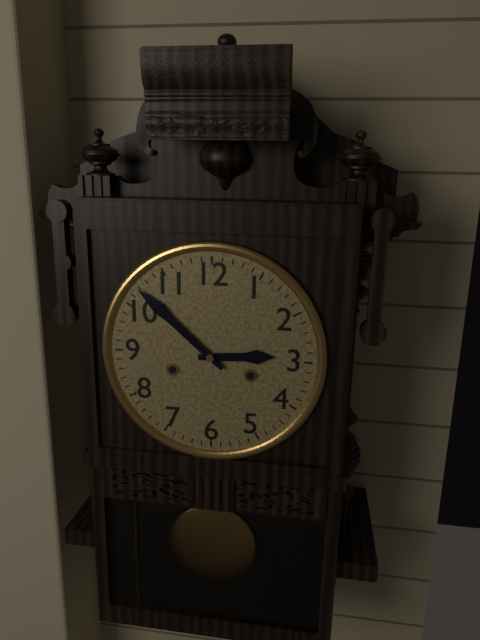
2:52
